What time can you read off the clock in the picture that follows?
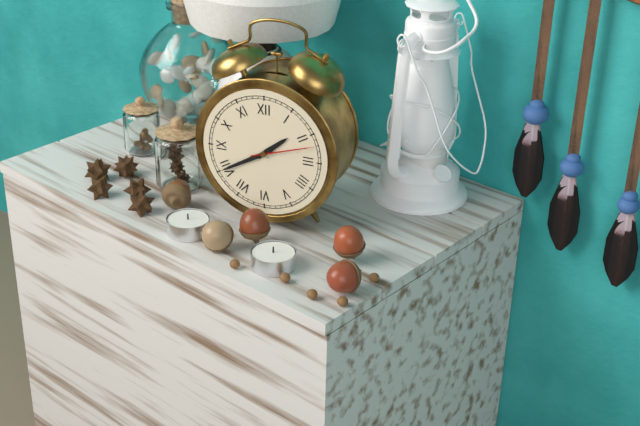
1:40:12
